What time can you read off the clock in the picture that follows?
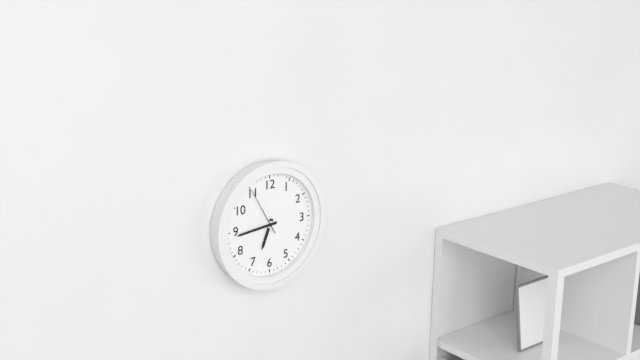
6:44
